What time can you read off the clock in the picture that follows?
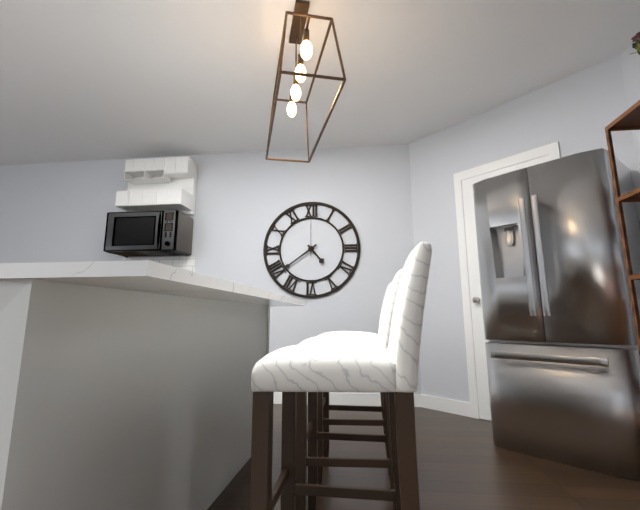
4:39
